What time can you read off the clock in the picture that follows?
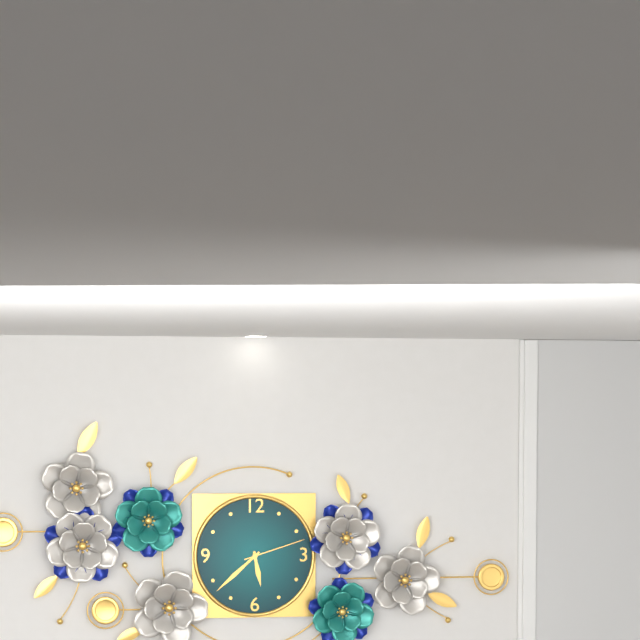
5:38:12
